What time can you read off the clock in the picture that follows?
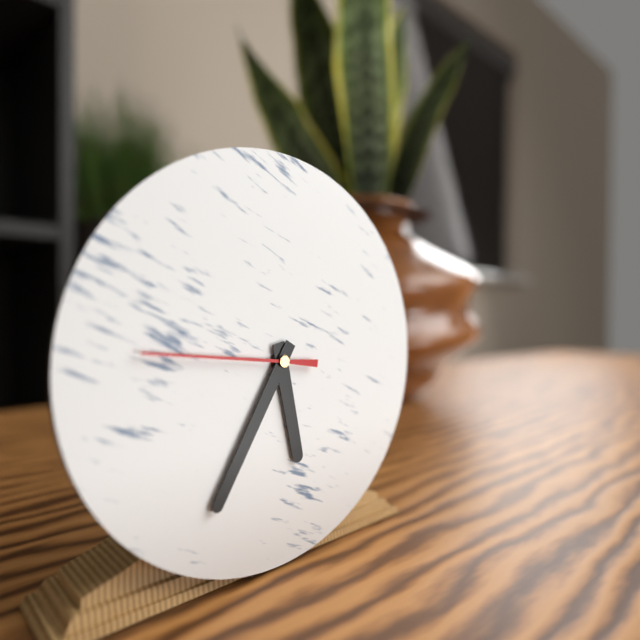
5:35:46
